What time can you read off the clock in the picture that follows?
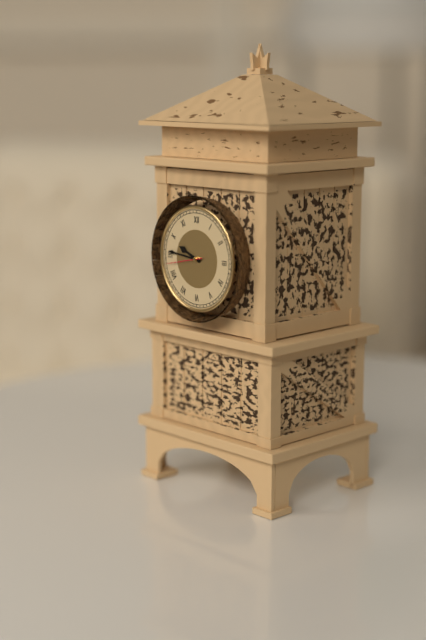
9:46
